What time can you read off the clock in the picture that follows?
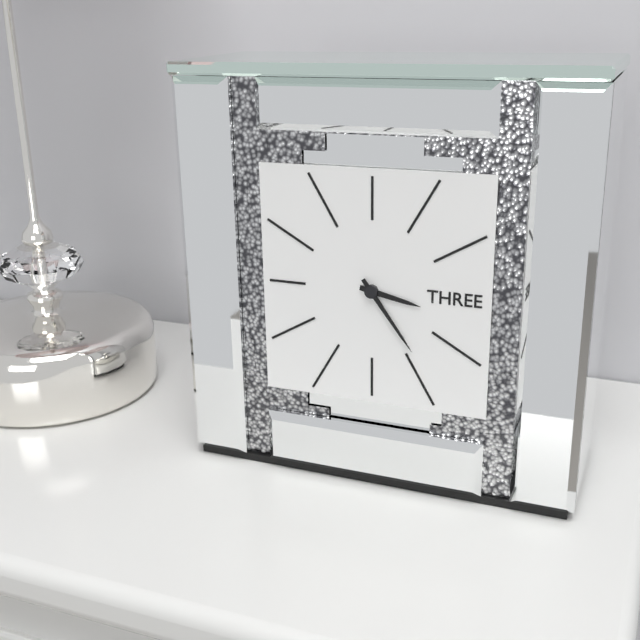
3:24
